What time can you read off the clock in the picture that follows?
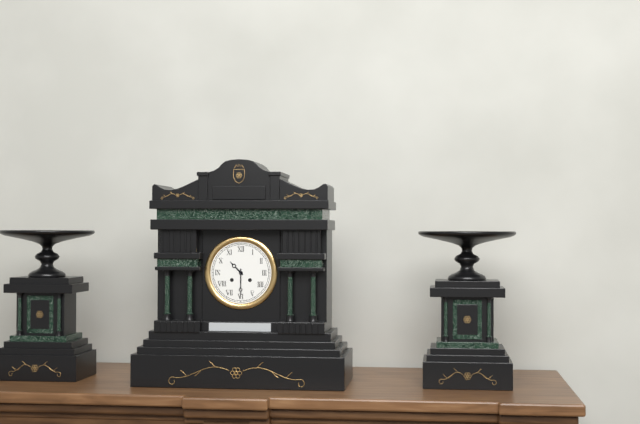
10:30
